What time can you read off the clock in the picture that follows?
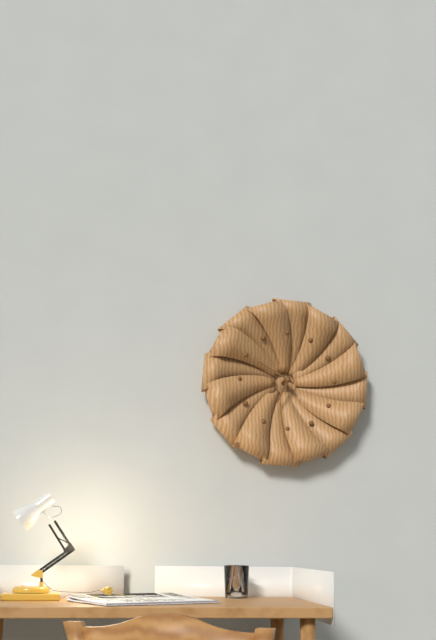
6:50
